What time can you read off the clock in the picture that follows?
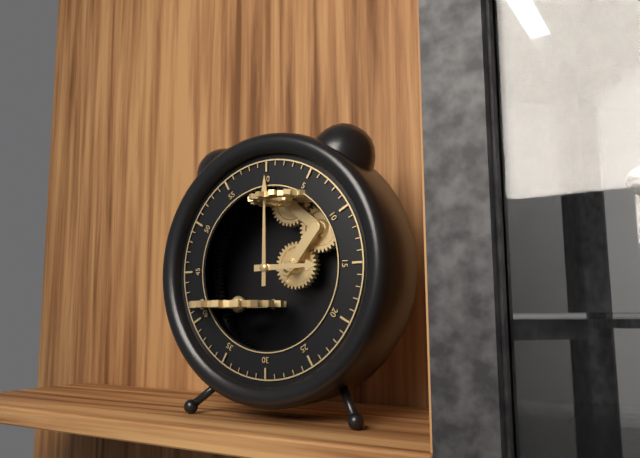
3:00
